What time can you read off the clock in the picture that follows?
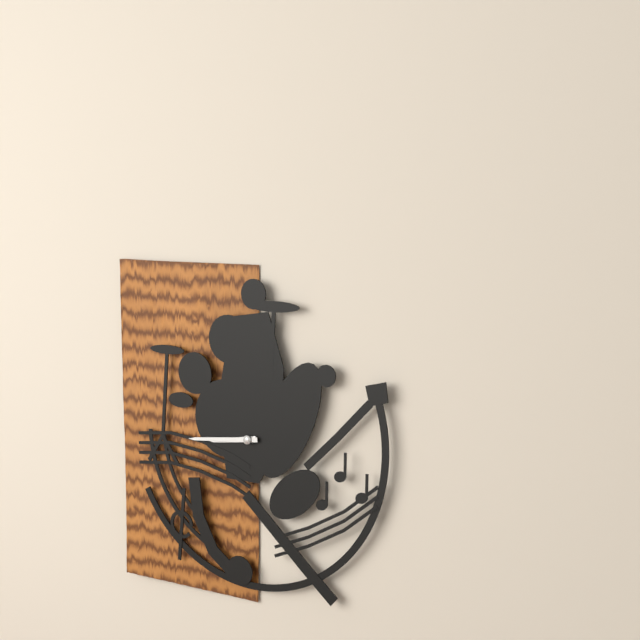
8:44
